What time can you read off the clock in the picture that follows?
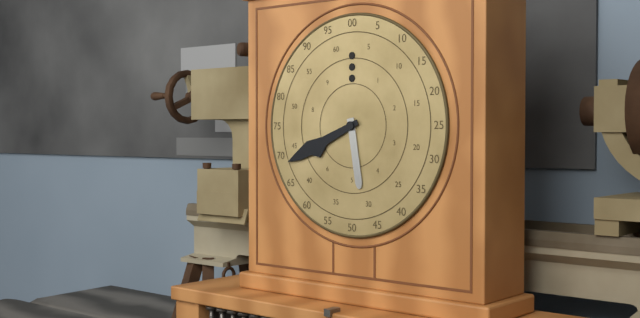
5:41
